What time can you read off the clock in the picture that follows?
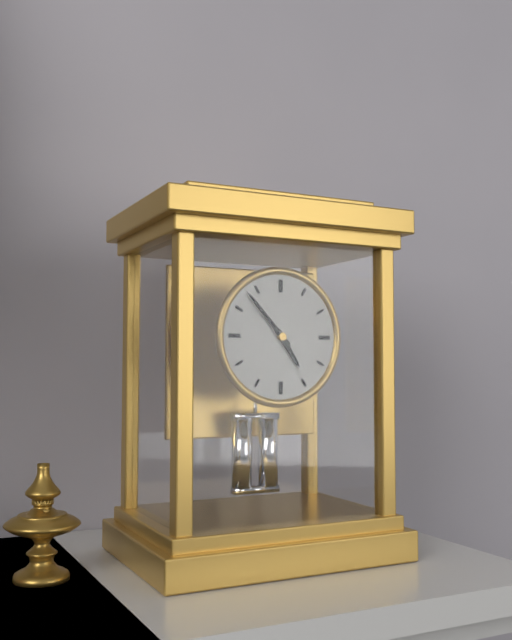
4:53
